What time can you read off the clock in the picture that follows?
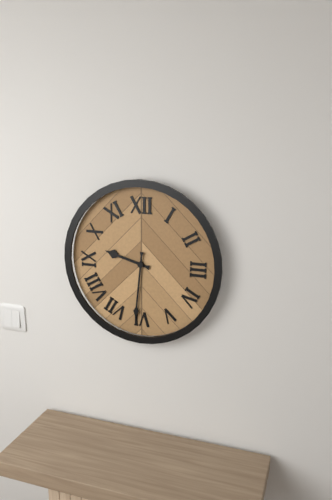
9:31
